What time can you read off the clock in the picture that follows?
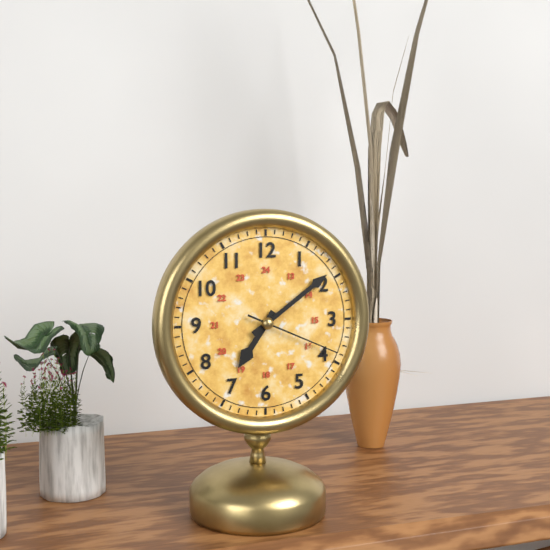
7:09:19
